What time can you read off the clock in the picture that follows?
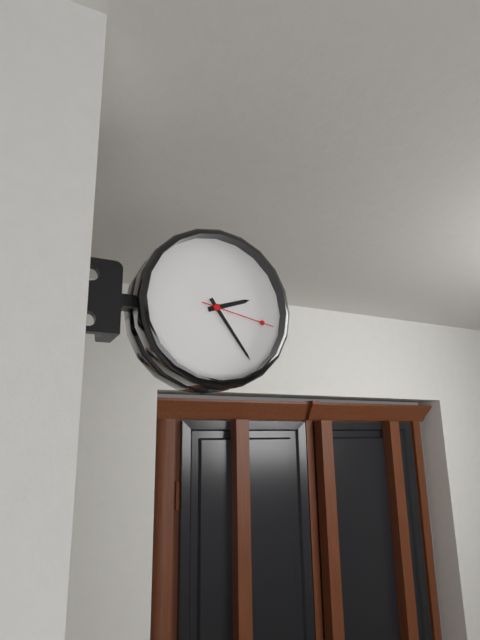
2:24:17
